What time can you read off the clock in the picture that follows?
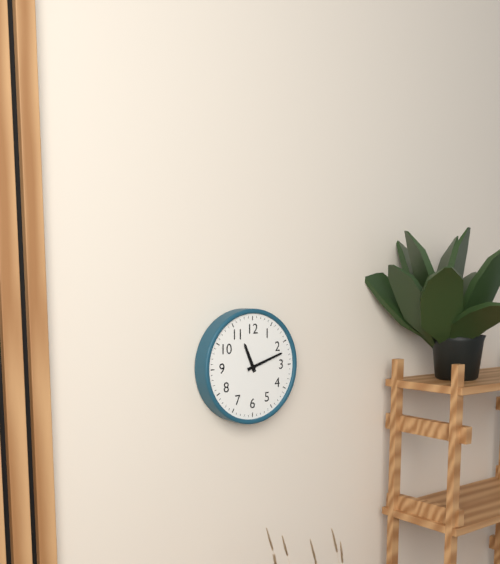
11:12
